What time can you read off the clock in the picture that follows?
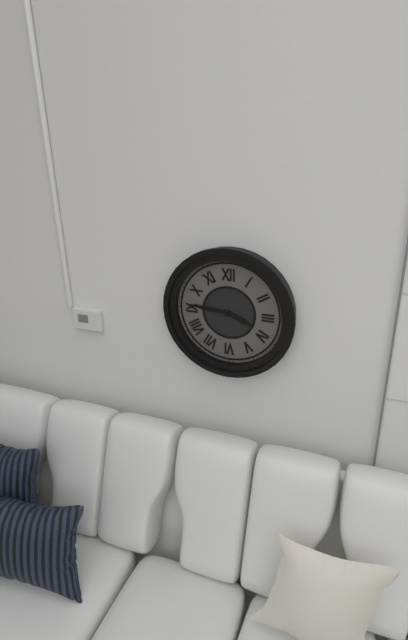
3:46
